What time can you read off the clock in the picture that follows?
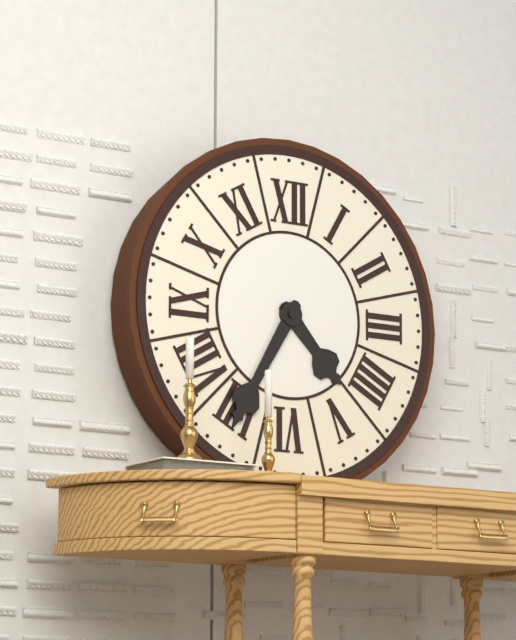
4:35
